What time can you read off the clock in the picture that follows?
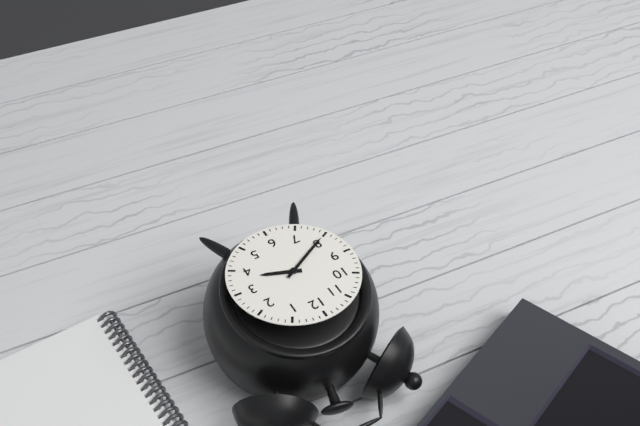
3:40
